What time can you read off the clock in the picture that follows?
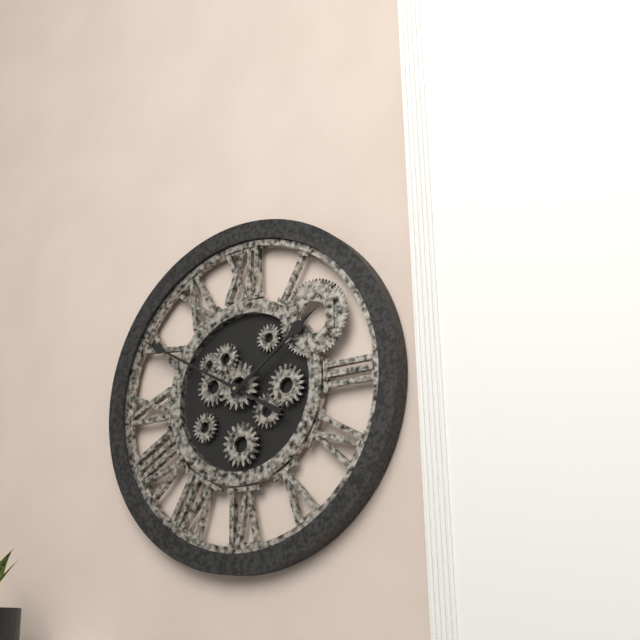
1:50
